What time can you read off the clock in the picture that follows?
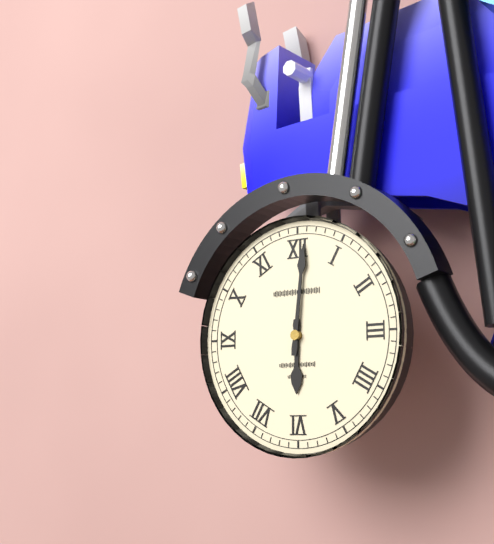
6:01
